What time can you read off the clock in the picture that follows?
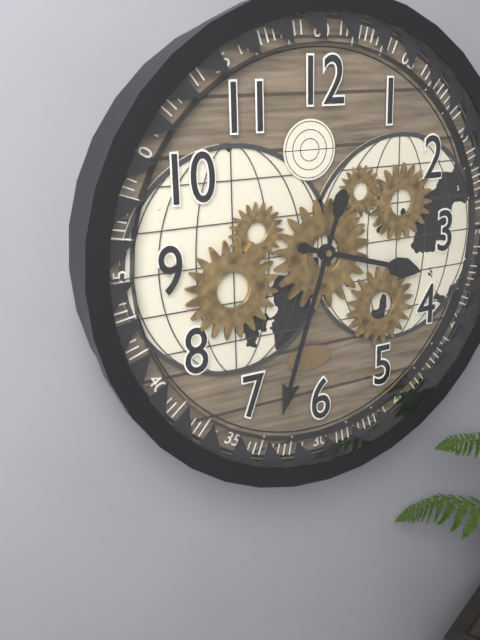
3:33
